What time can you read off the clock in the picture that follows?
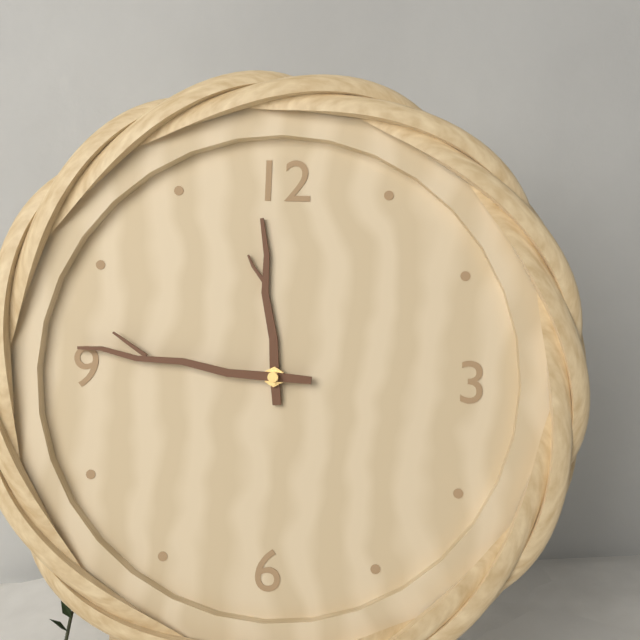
11:46
